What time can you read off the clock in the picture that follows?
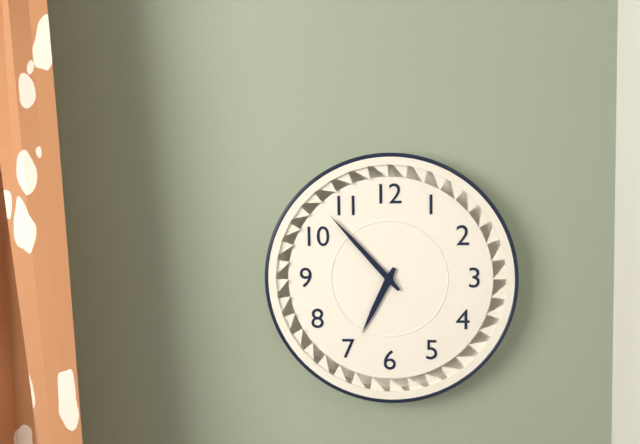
6:53
